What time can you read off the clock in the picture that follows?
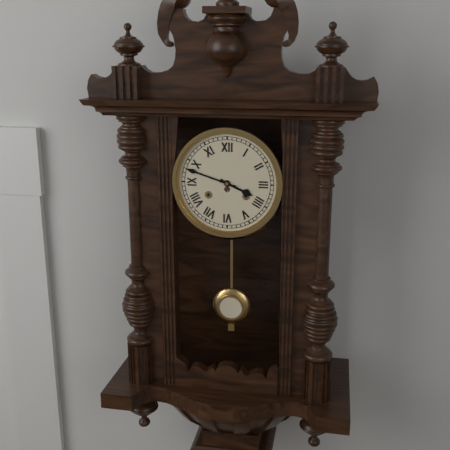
3:48
